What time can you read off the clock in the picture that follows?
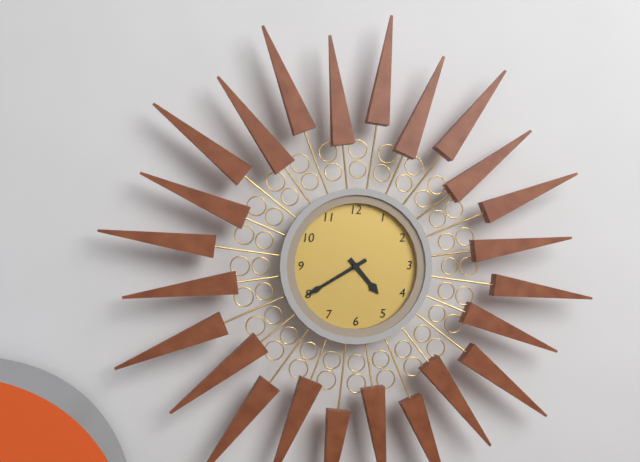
4:40
